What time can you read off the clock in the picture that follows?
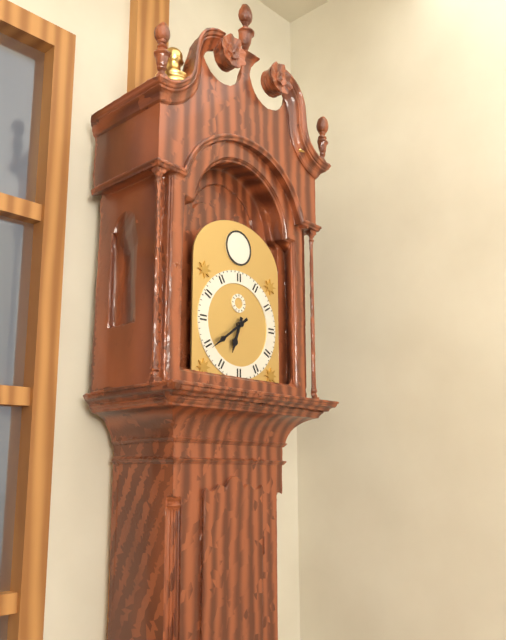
6:39
